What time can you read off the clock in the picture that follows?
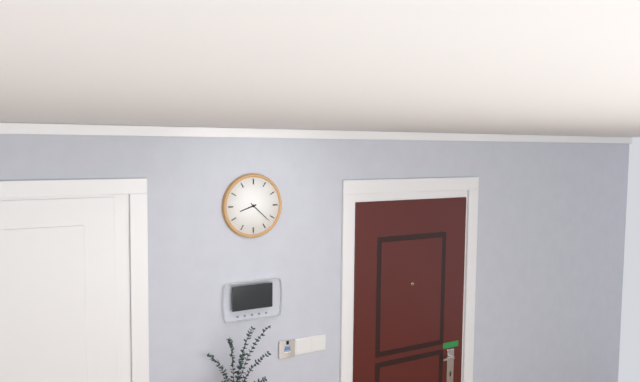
8:22
